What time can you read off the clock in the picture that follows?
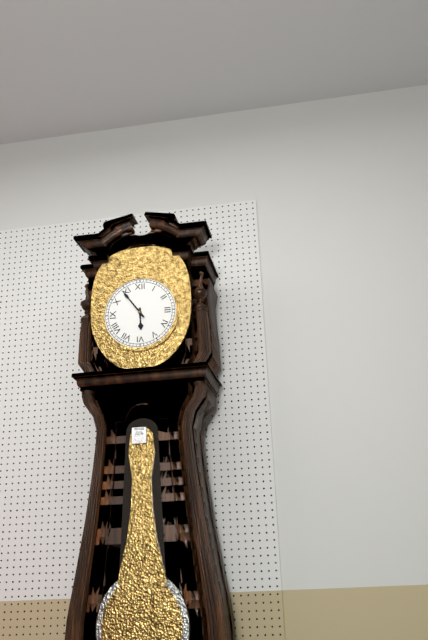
5:54
